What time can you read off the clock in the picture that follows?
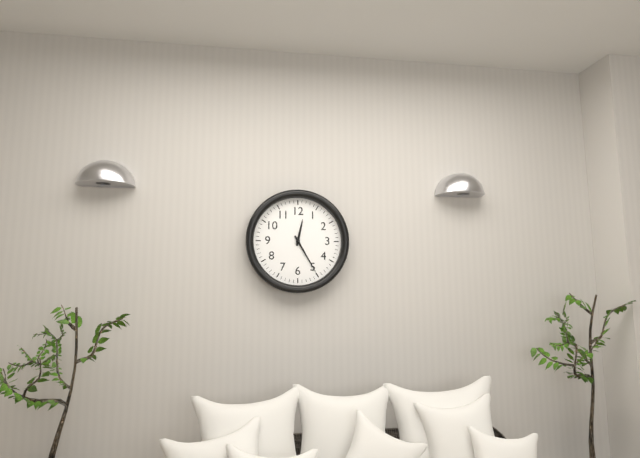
12:25
